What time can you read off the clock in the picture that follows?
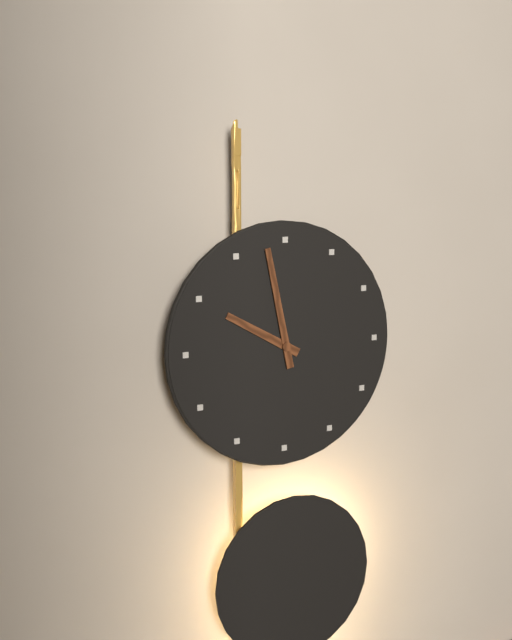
9:58
